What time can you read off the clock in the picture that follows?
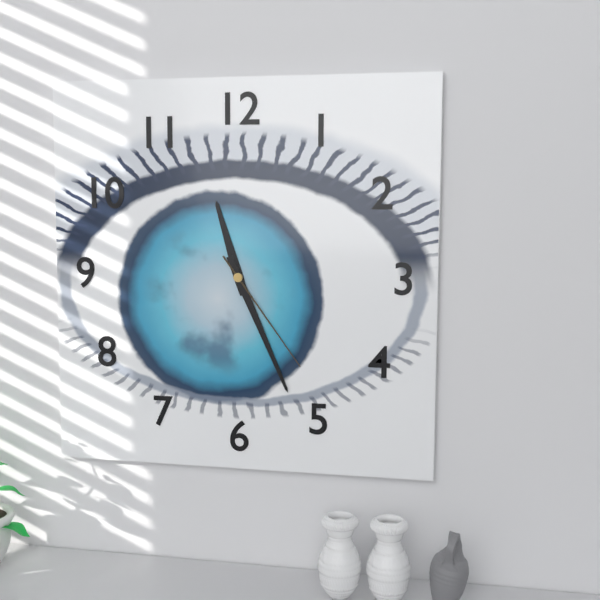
11:26:24
